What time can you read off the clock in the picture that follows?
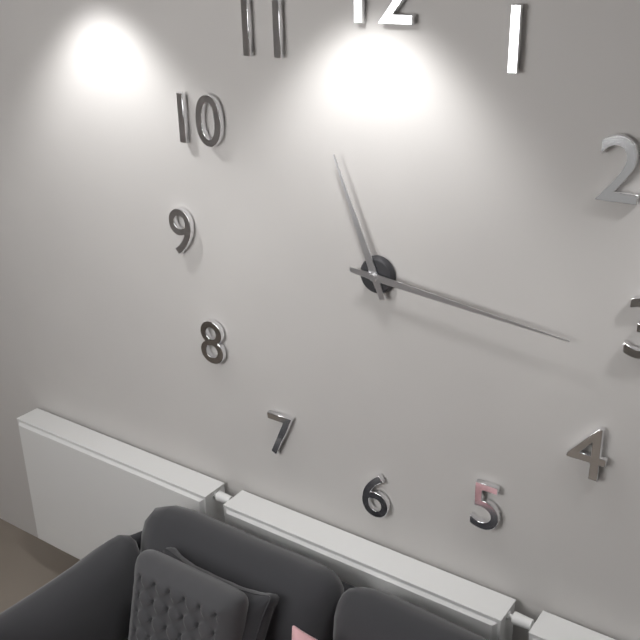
11:16
